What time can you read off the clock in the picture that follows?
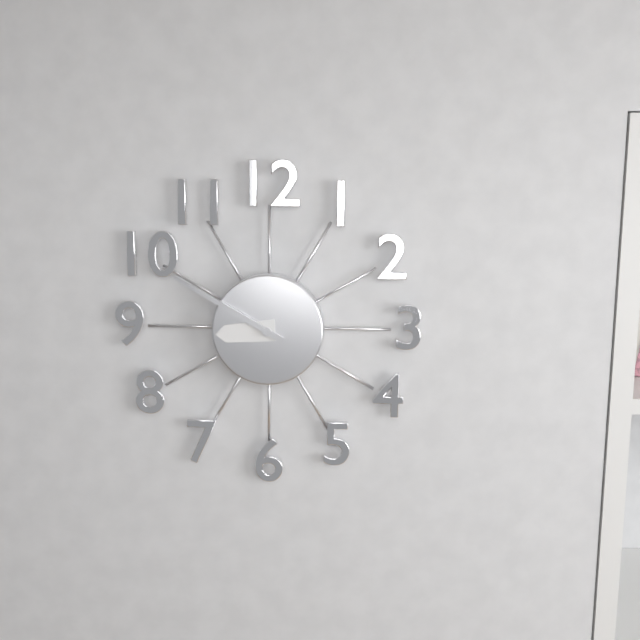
8:50
